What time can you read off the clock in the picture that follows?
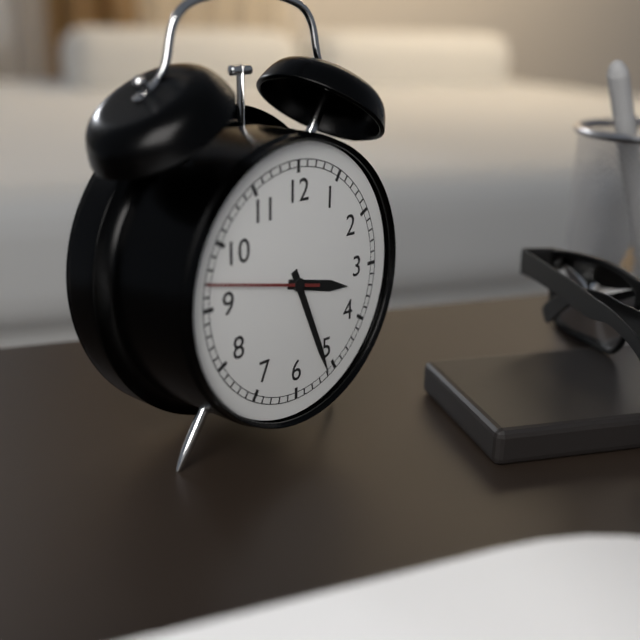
3:26:47
